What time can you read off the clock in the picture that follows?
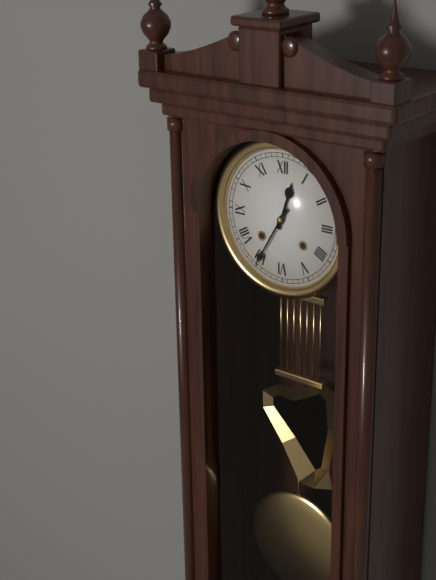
12:35
